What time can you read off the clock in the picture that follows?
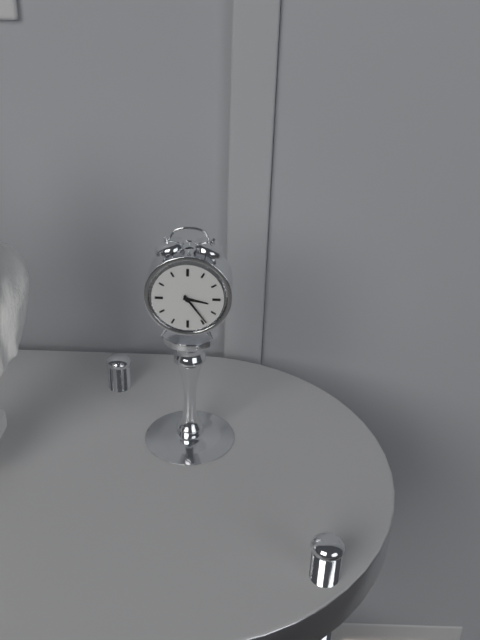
3:24
